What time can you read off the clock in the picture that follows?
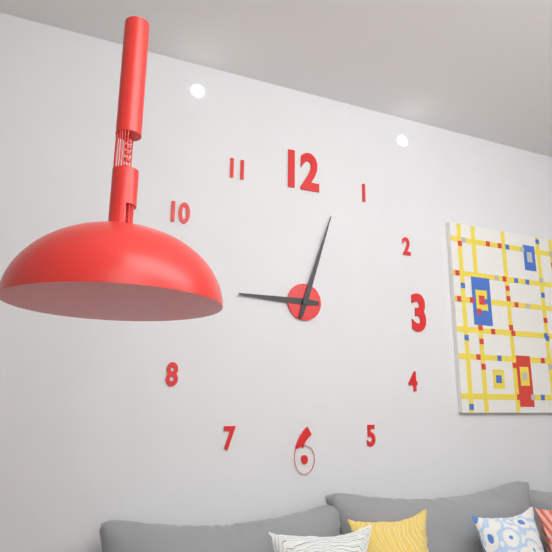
9:03
